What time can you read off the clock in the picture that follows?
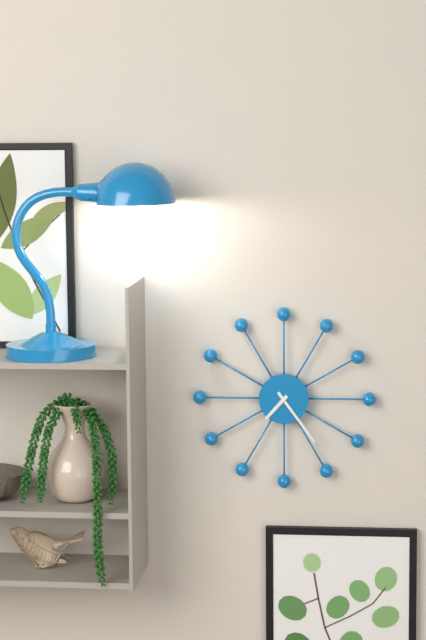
7:24
